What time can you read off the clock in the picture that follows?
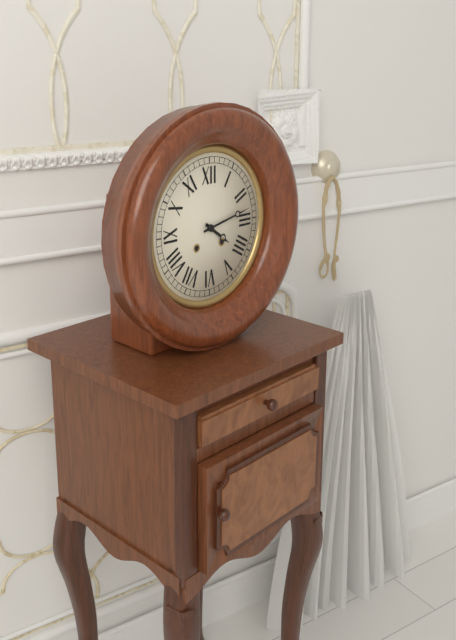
4:13
